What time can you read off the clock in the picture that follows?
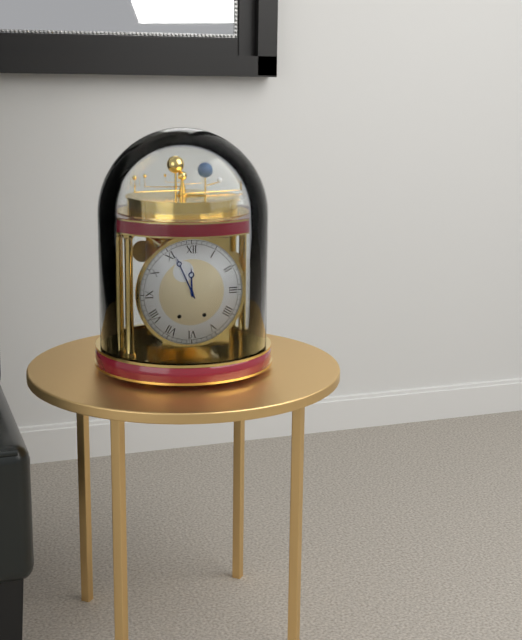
11:56
